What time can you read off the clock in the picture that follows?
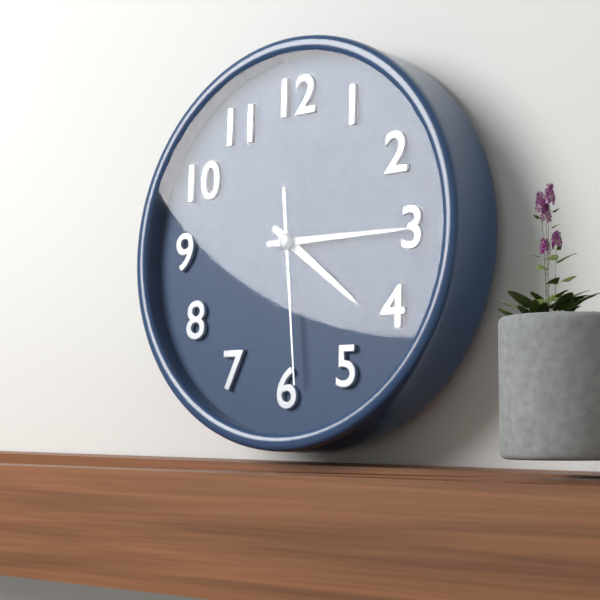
4:15:29
